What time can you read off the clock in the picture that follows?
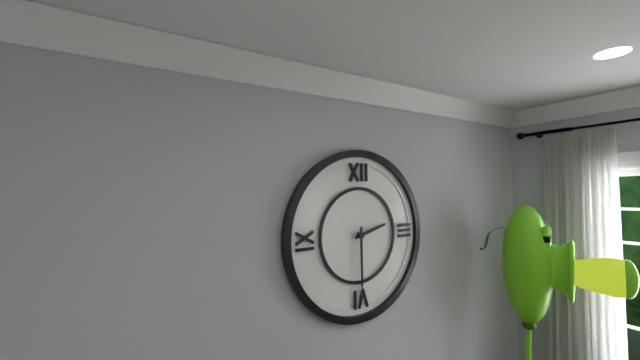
2:30
